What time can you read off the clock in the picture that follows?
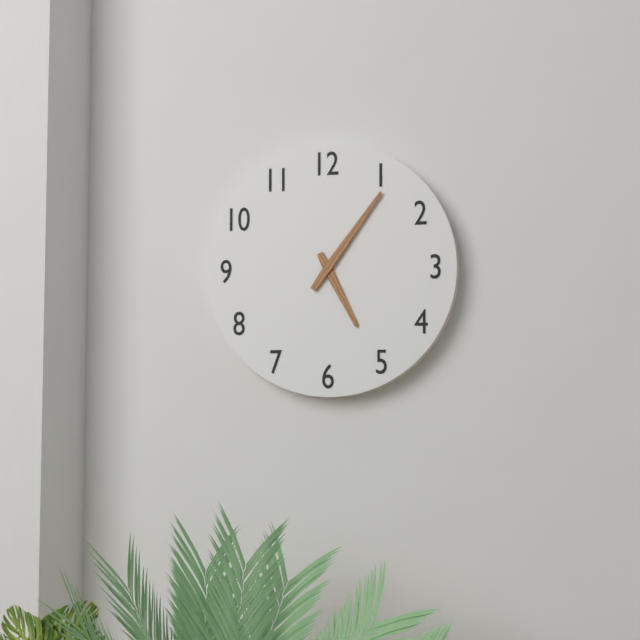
5:06
